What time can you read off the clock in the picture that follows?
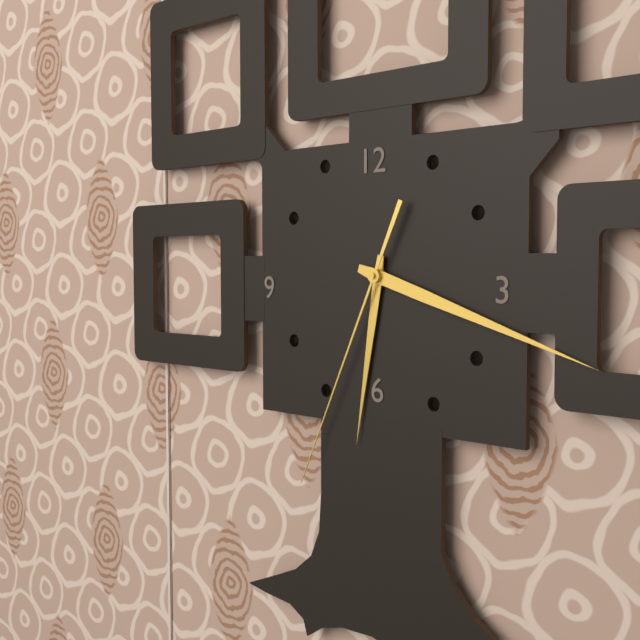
6:18:34
